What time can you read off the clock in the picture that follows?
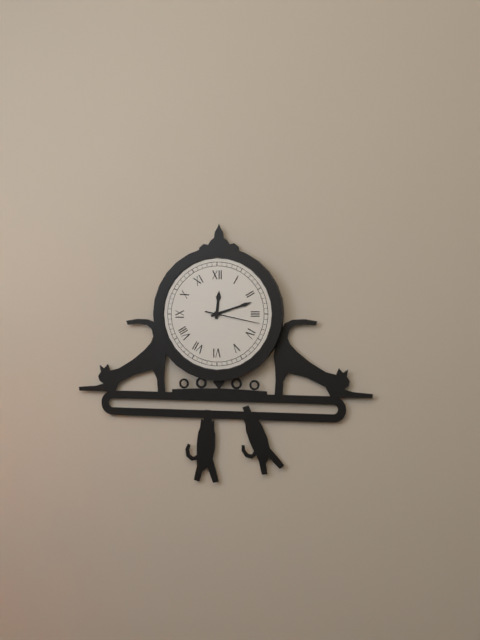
12:12:17
